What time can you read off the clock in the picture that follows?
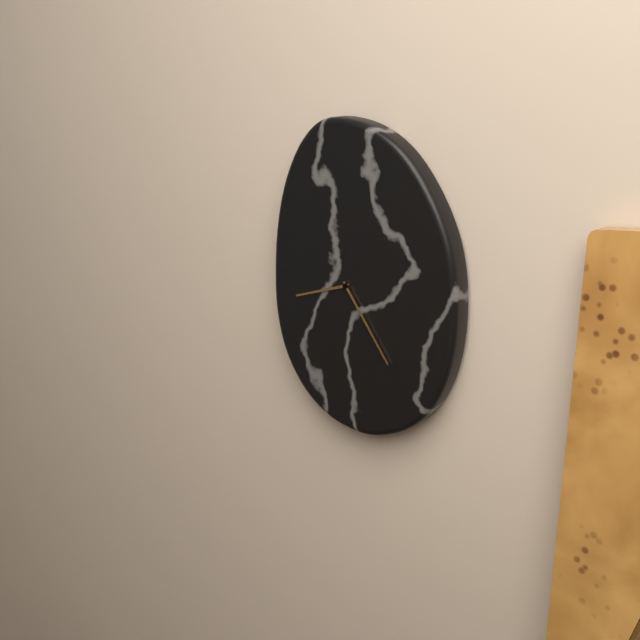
8:24
